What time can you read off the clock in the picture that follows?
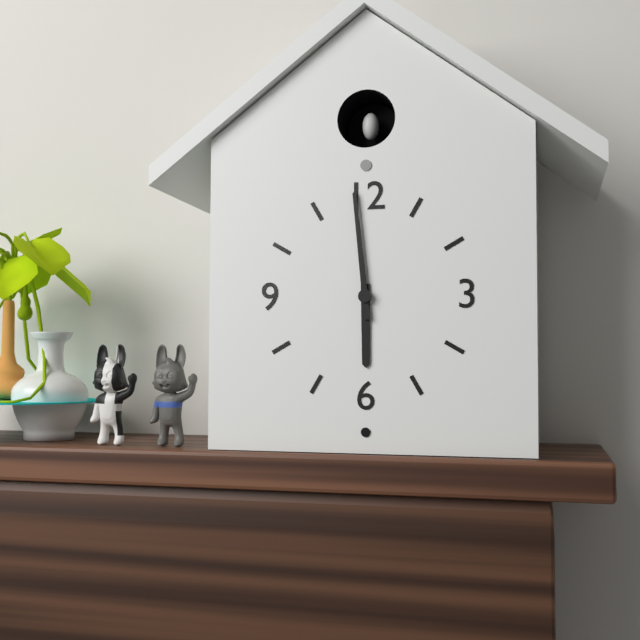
5:59
